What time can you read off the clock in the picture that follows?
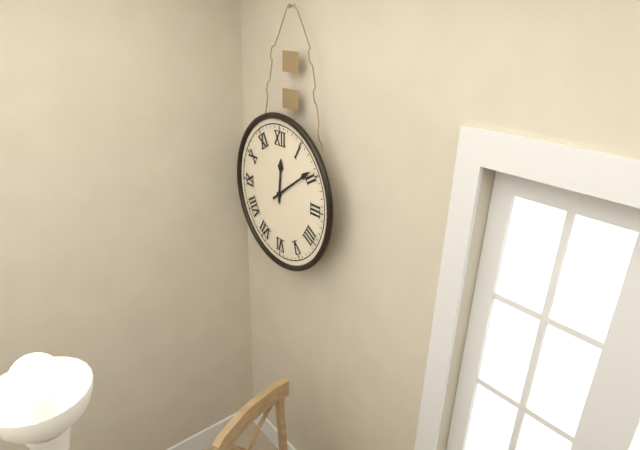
12:09
